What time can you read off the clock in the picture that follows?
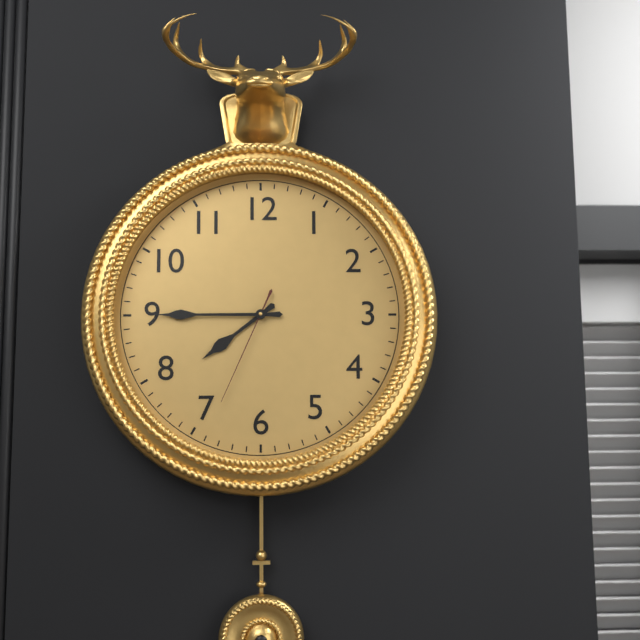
7:45:34
